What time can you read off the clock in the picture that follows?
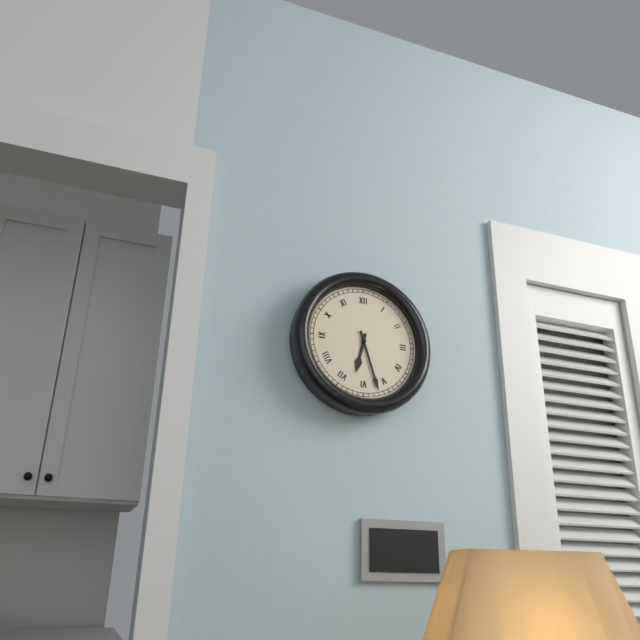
6:27
